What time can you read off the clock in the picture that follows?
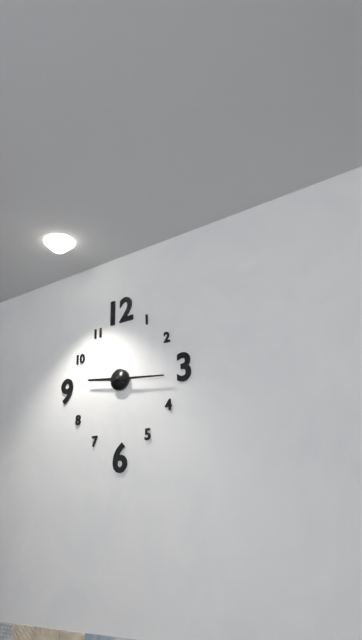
9:16
